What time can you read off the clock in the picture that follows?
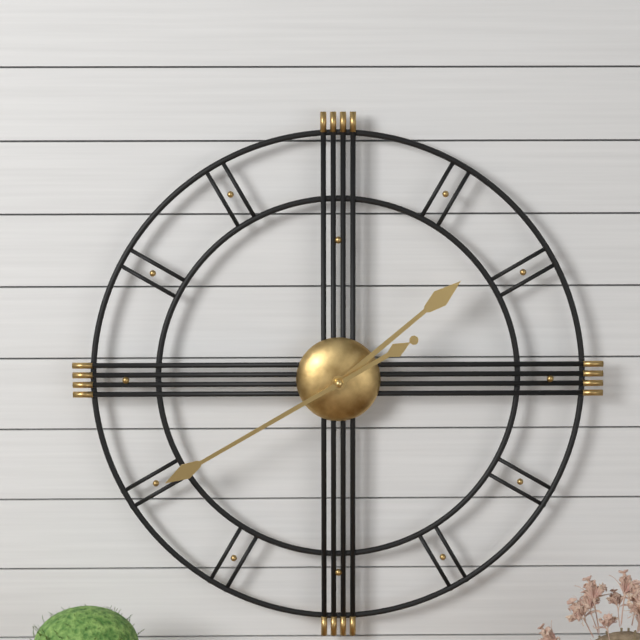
1:40
